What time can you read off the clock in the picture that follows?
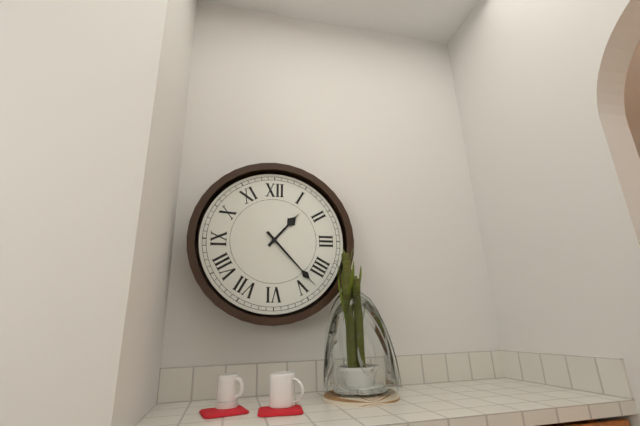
1:23
